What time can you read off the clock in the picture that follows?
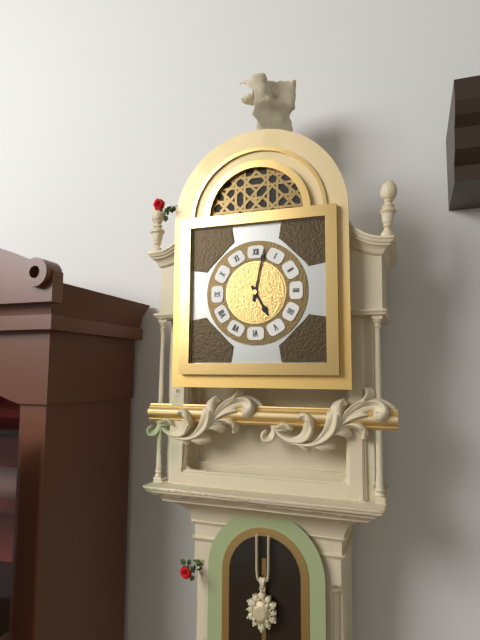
5:02
